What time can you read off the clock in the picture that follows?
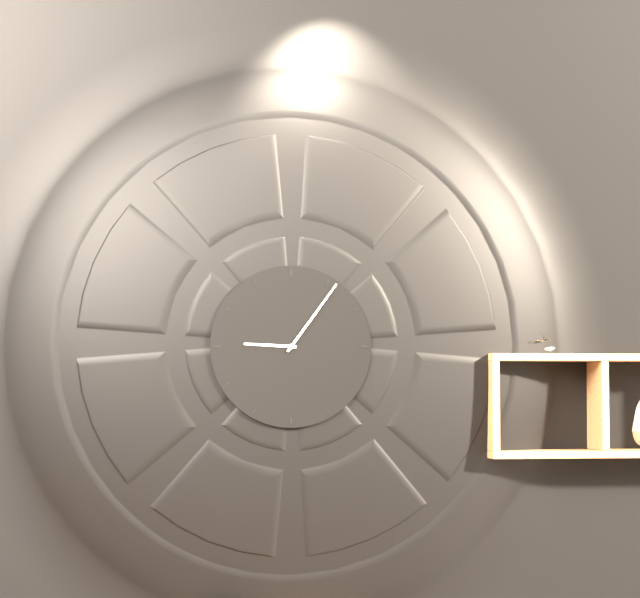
9:06
